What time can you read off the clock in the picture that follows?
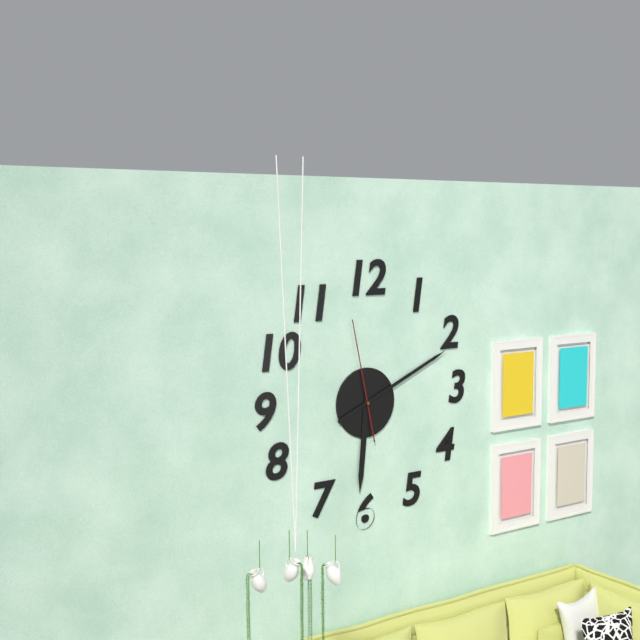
6:11:58
